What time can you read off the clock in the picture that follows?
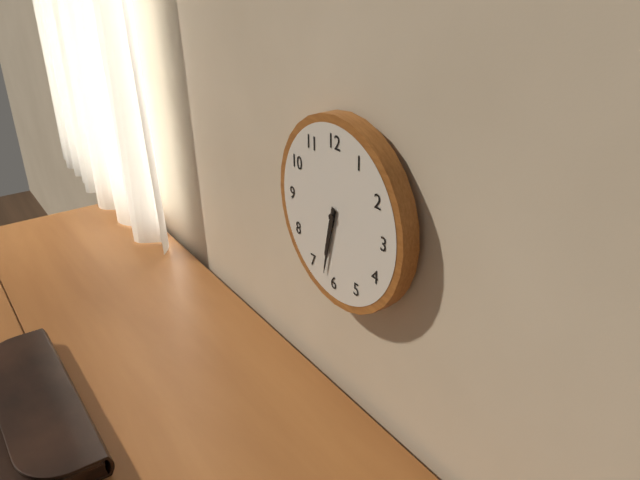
6:32
